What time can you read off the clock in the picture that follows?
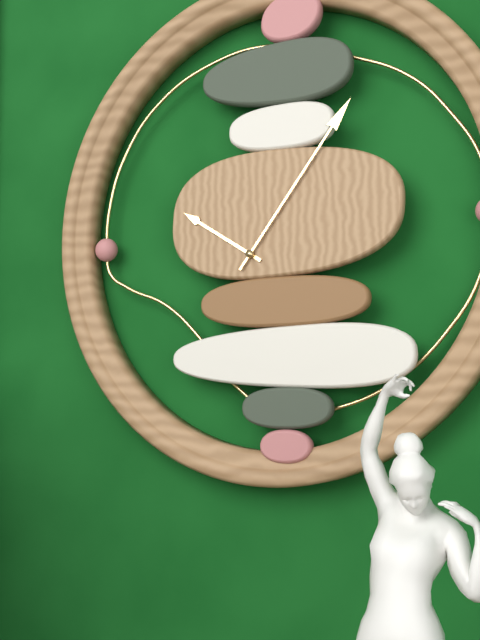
10:06
